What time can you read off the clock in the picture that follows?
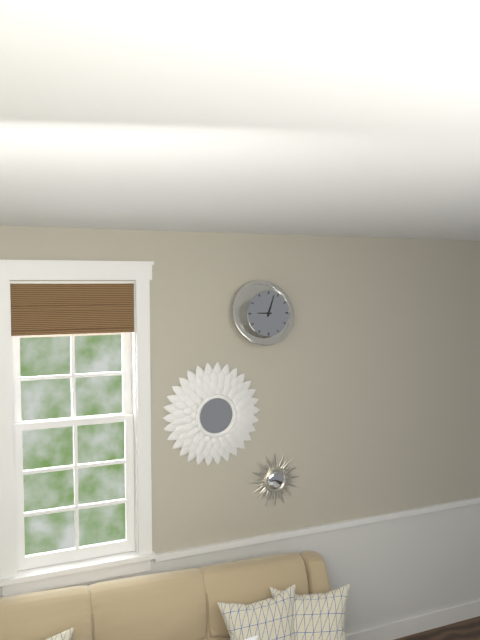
9:03
